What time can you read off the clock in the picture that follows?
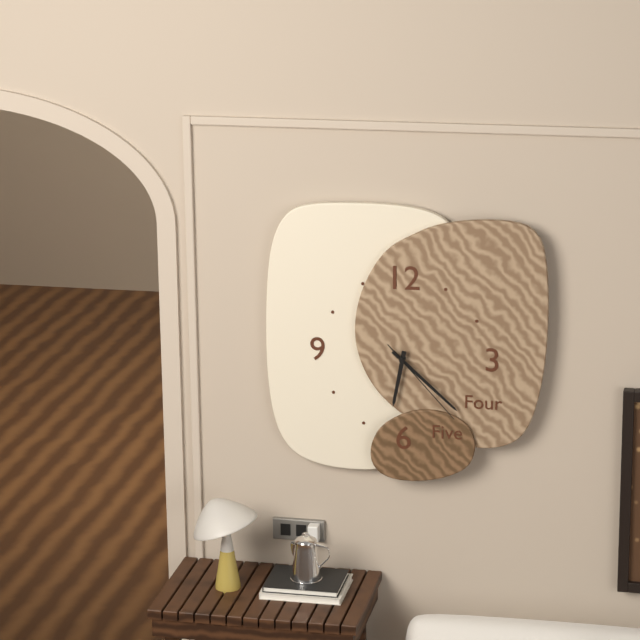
6:22:23
